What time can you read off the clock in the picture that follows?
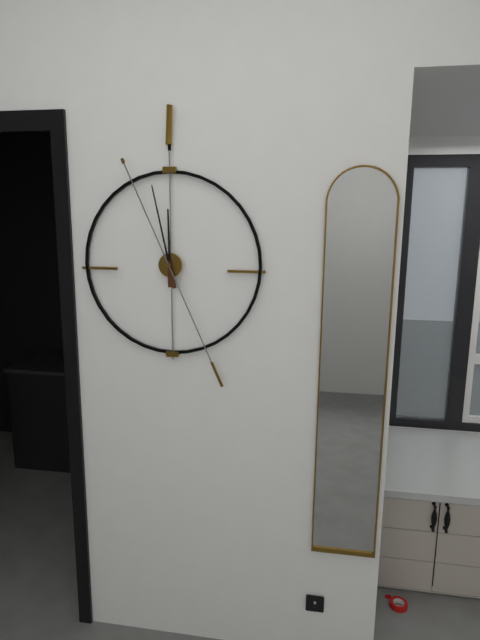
11:58:26
